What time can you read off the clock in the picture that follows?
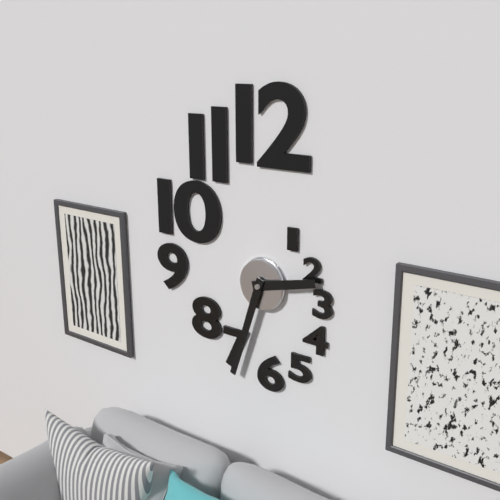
2:33
